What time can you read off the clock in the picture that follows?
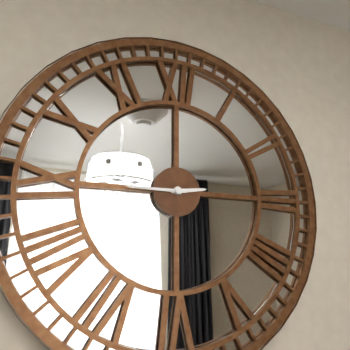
2:45
